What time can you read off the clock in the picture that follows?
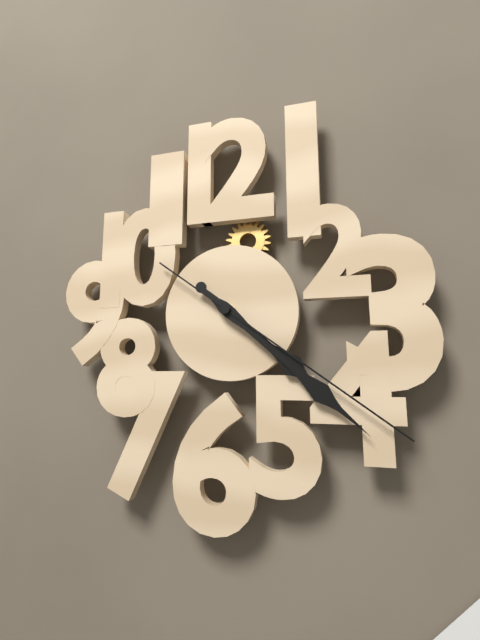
4:22:21
